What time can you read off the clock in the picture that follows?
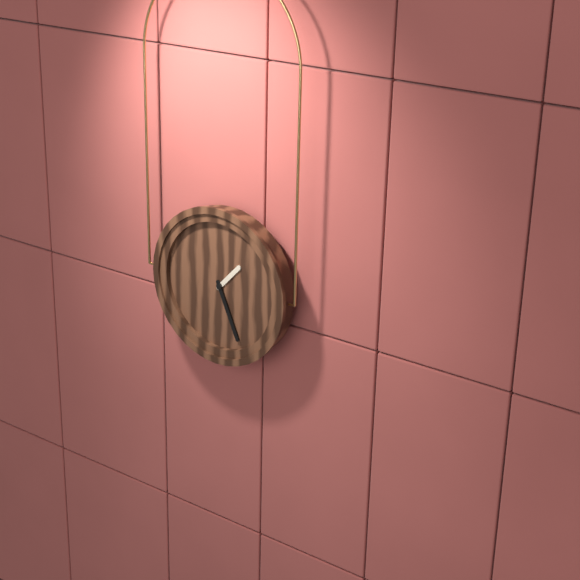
1:26
